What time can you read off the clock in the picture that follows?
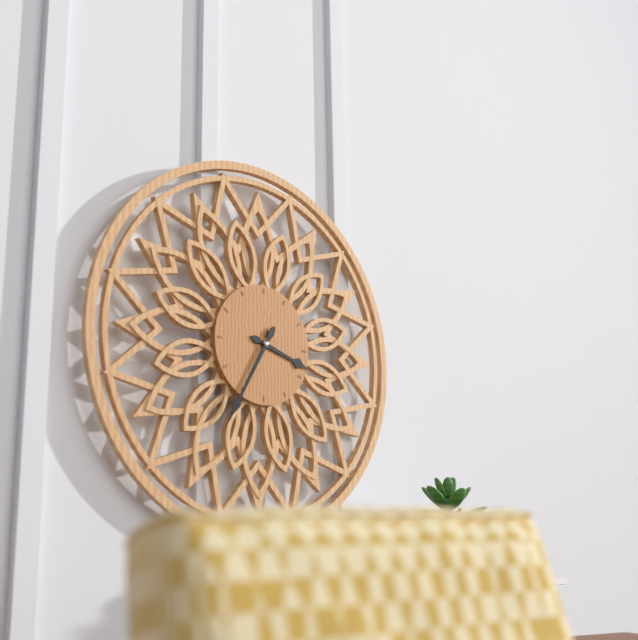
3:35
